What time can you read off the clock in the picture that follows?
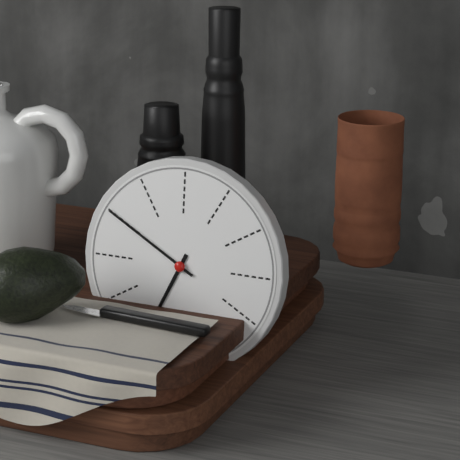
6:50
